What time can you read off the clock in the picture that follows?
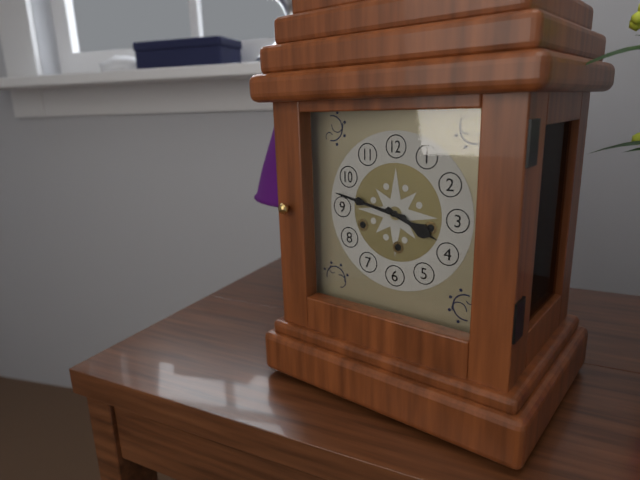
3:47
